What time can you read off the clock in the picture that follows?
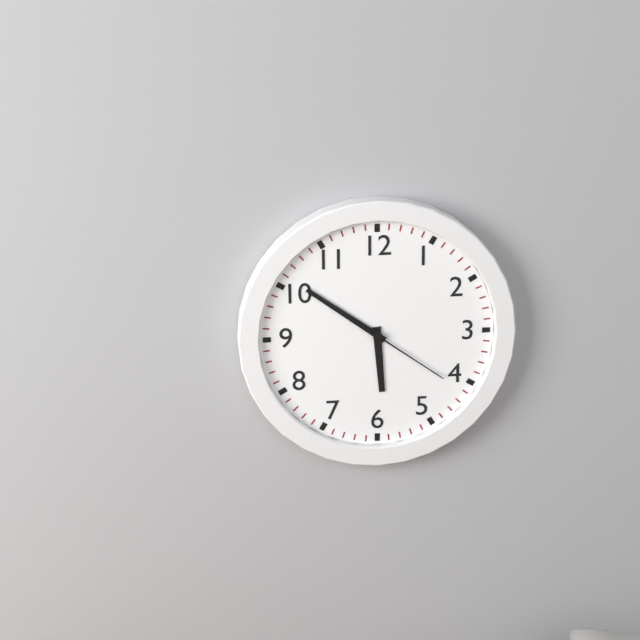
5:51:21
